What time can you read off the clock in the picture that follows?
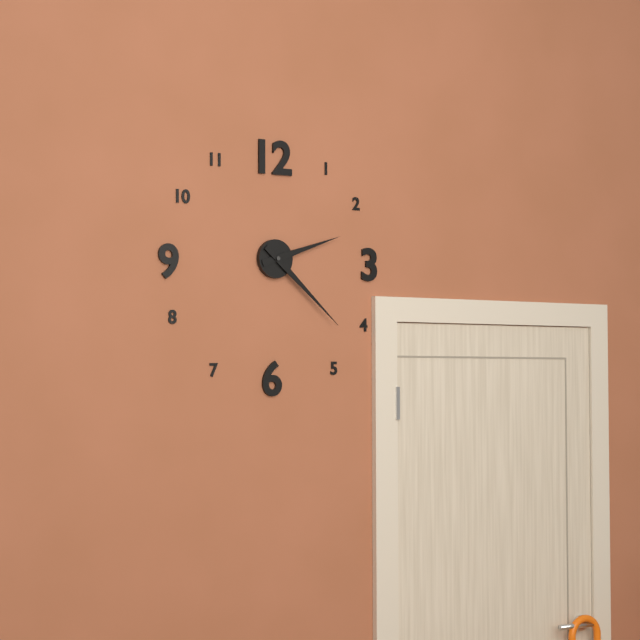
2:22
